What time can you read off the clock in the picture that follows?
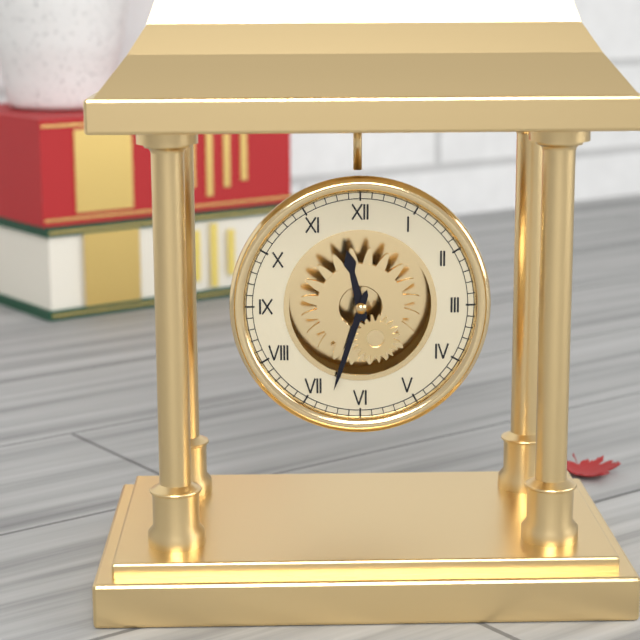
11:33
